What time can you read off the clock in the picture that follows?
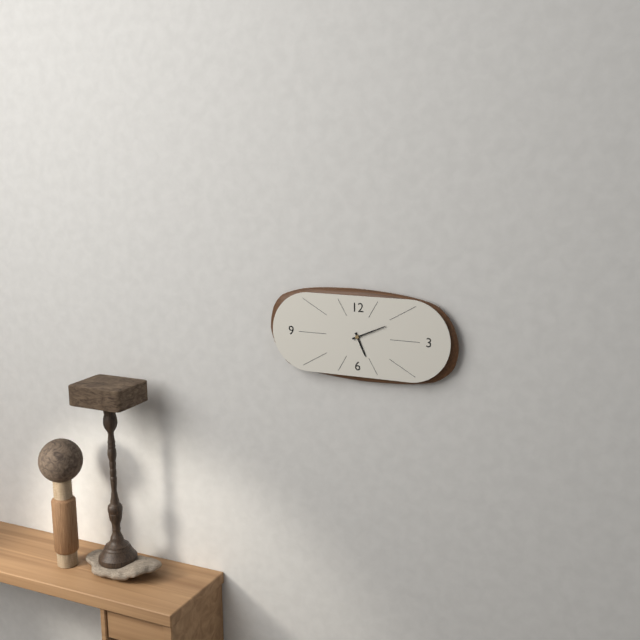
5:11
